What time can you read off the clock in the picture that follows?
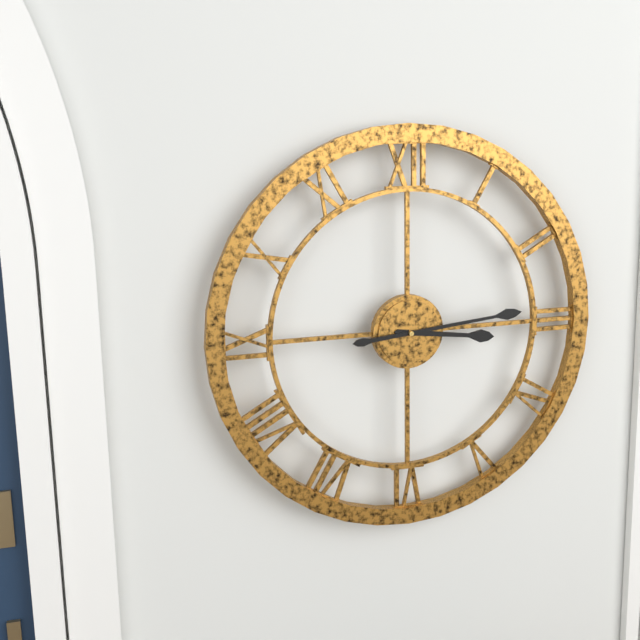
3:14
